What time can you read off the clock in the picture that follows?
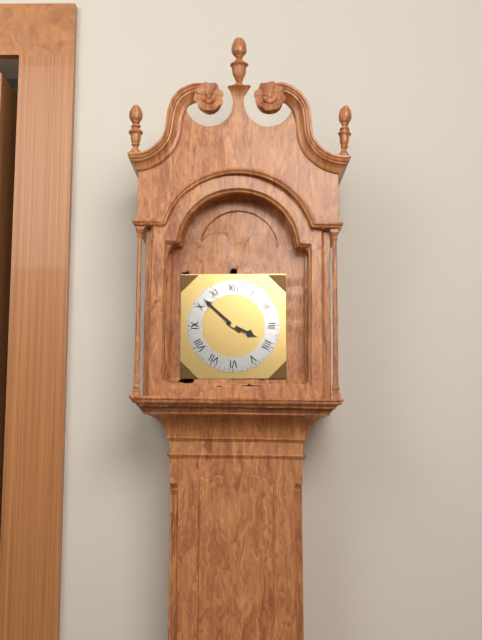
3:52
